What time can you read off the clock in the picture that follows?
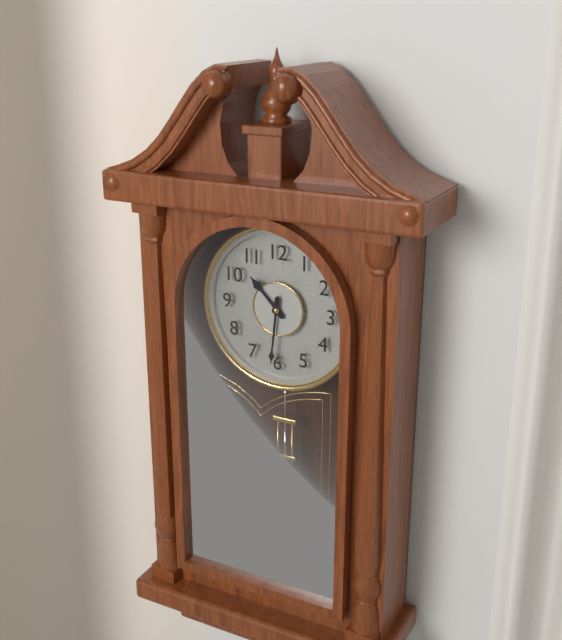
10:31
